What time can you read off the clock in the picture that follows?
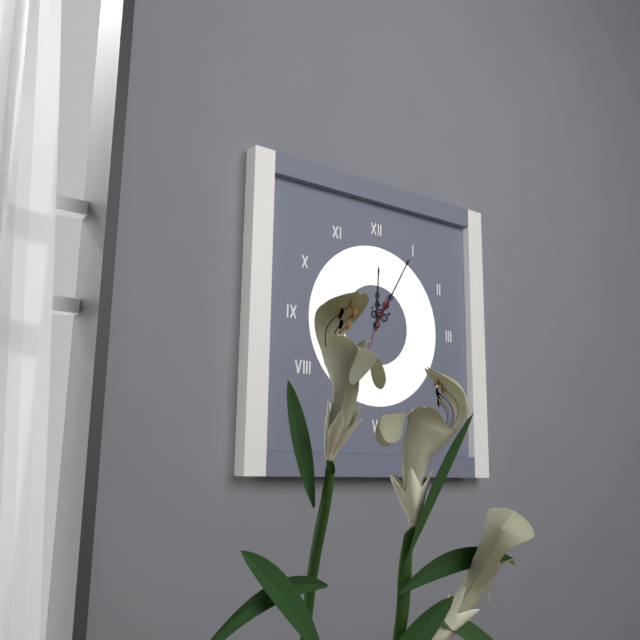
12:05
